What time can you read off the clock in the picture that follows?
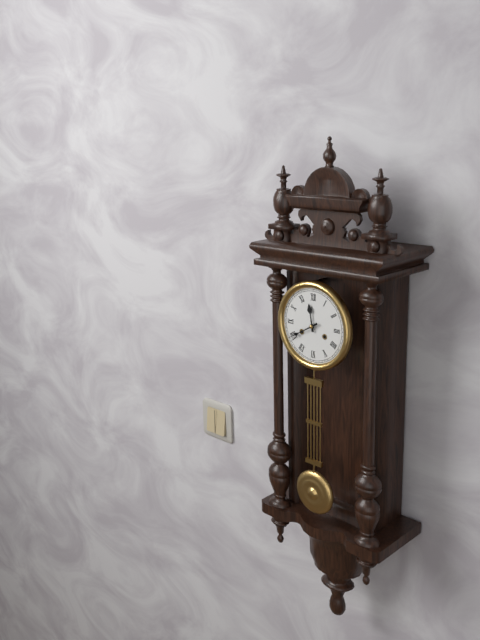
11:40
